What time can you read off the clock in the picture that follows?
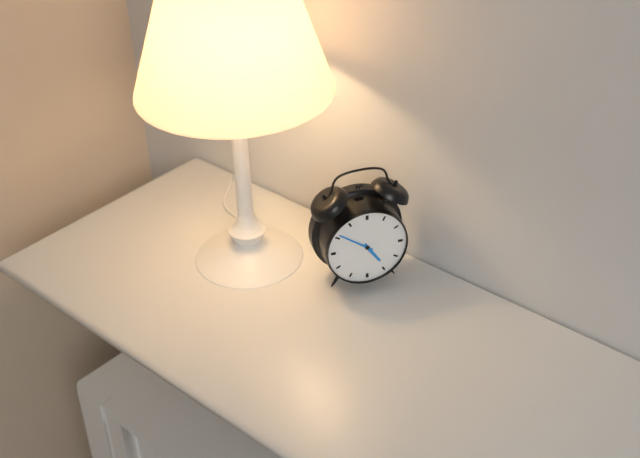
4:51
